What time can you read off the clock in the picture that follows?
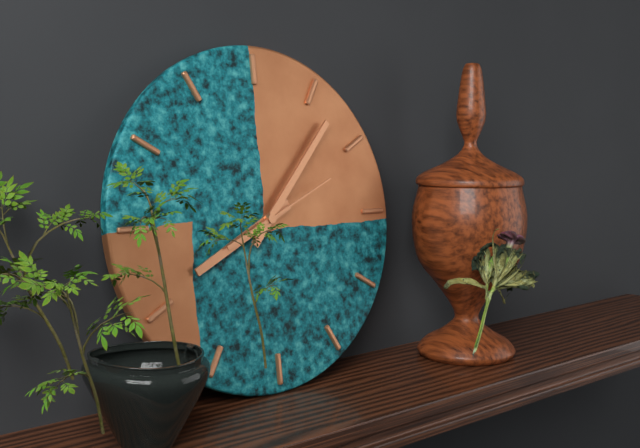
8:07:11
